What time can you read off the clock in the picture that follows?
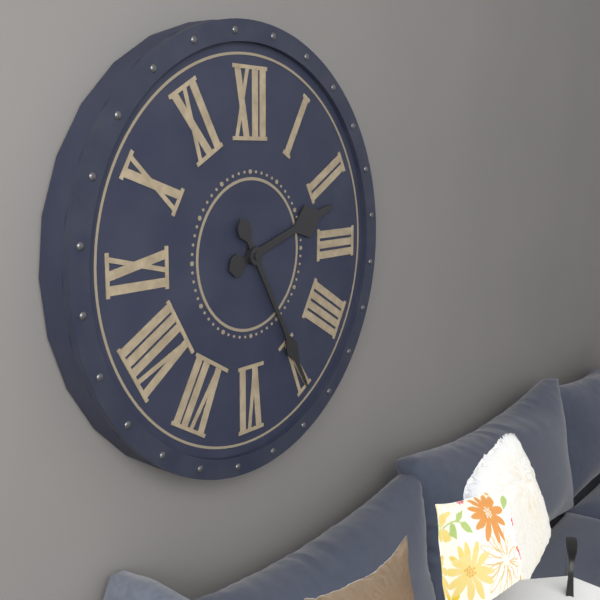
2:25
